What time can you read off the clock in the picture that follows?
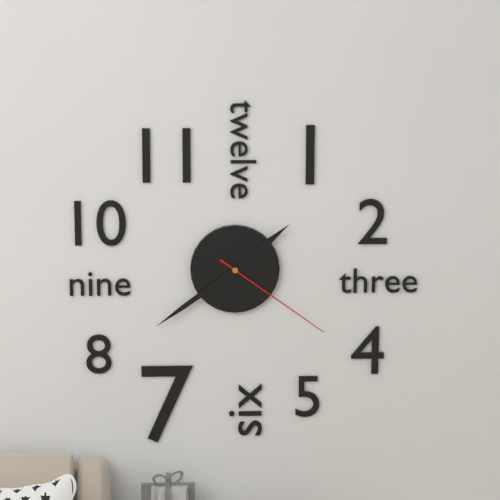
1:39:21
